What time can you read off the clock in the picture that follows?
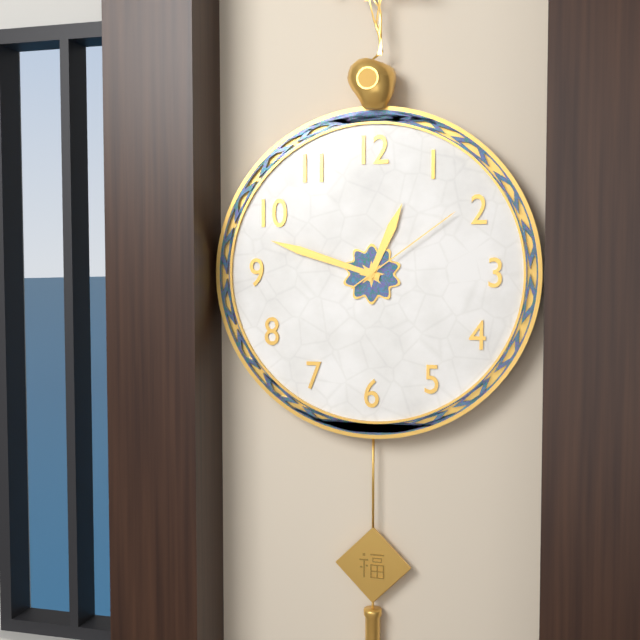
12:48:09
